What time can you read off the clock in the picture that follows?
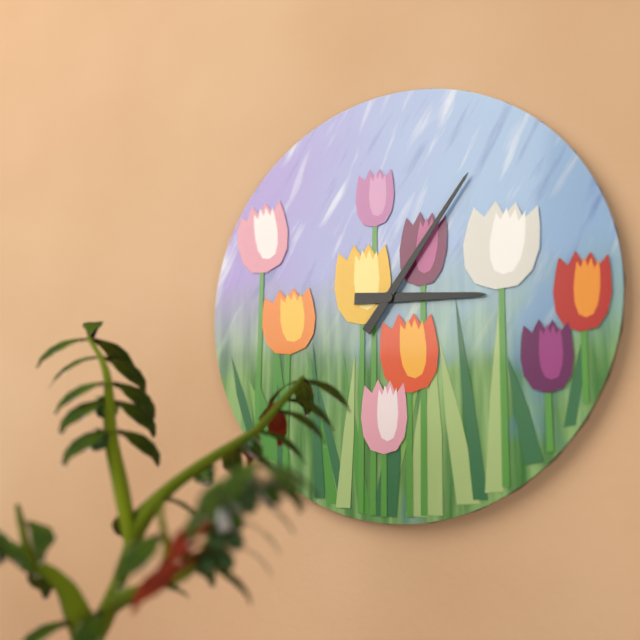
3:06
